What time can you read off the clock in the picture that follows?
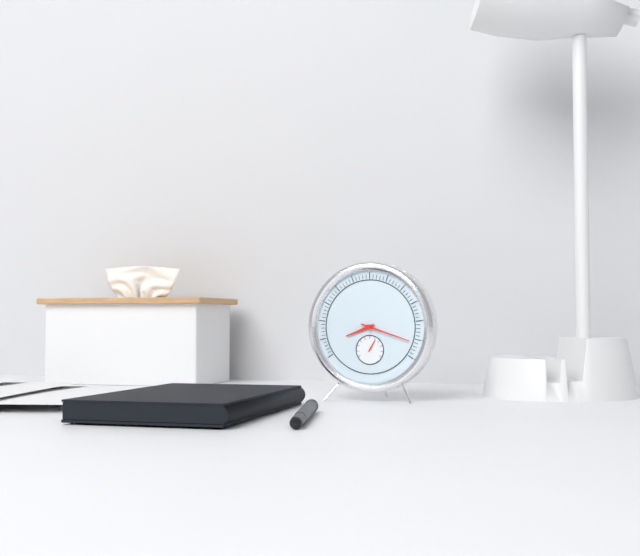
8:18
